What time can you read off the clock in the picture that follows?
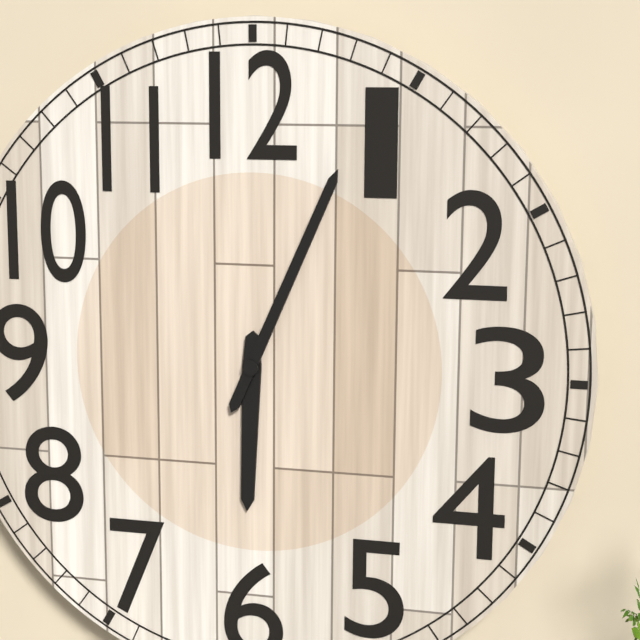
6:04
